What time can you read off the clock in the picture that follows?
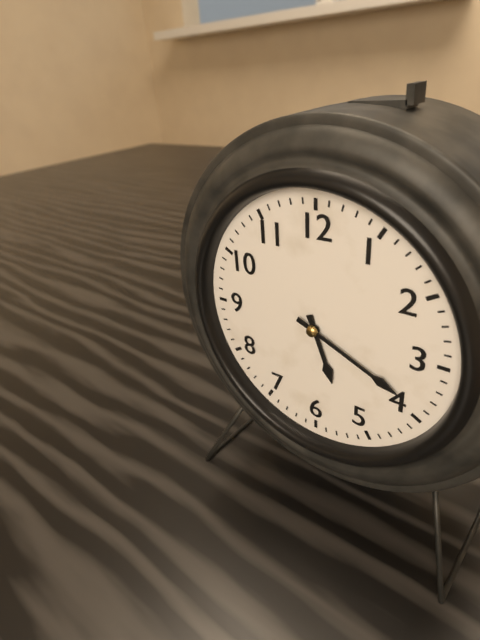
5:19
